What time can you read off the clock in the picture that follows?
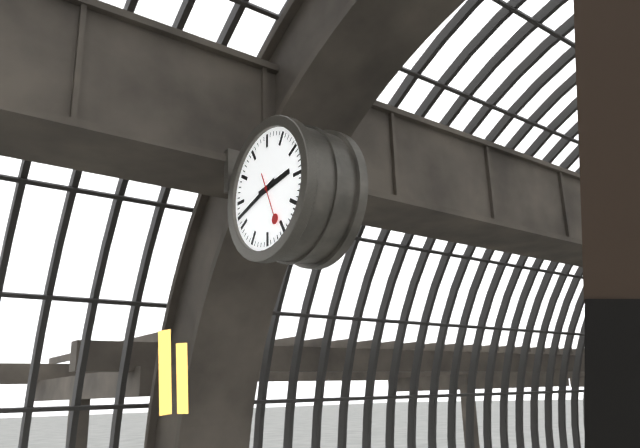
2:42
